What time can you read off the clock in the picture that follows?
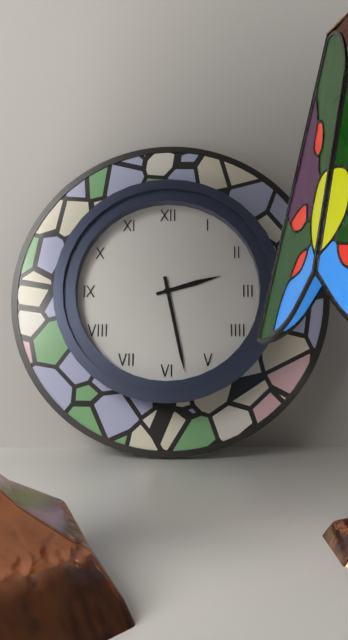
2:28
